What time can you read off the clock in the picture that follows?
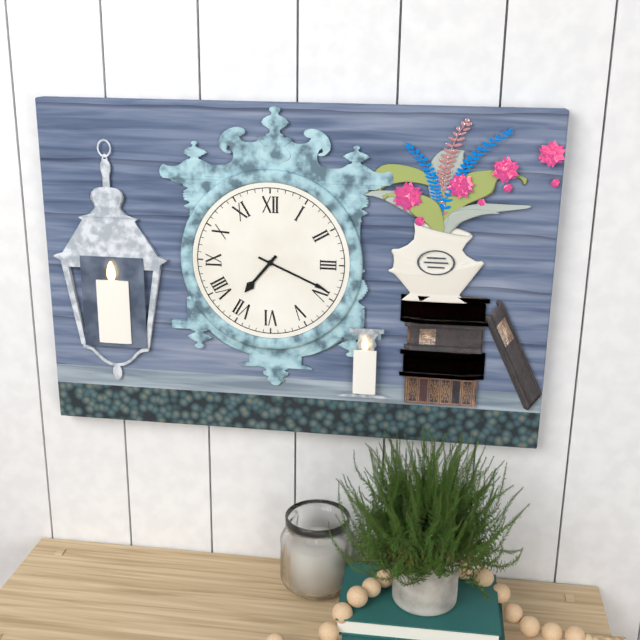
7:19
